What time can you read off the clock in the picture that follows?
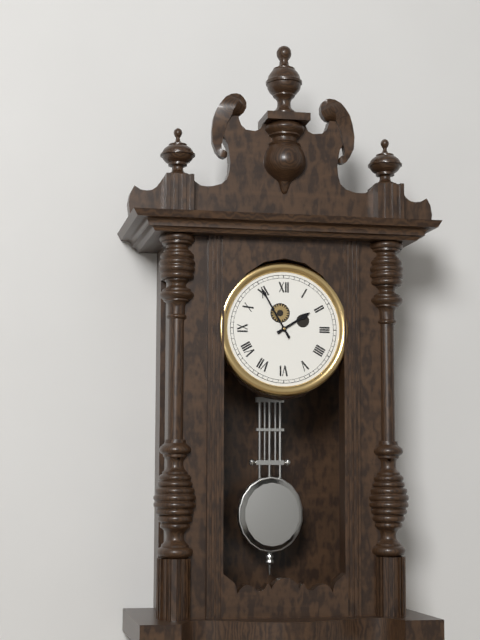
1:55
